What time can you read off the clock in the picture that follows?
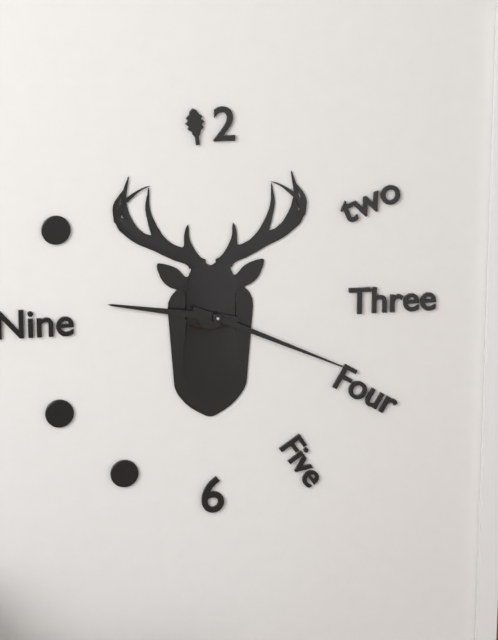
9:19
